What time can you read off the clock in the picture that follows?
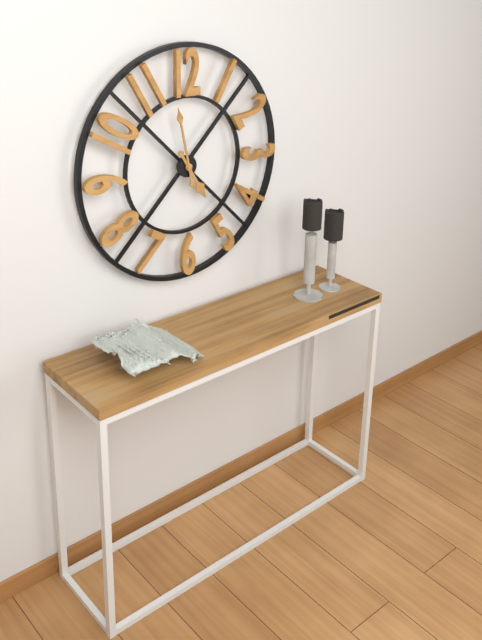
4:58
